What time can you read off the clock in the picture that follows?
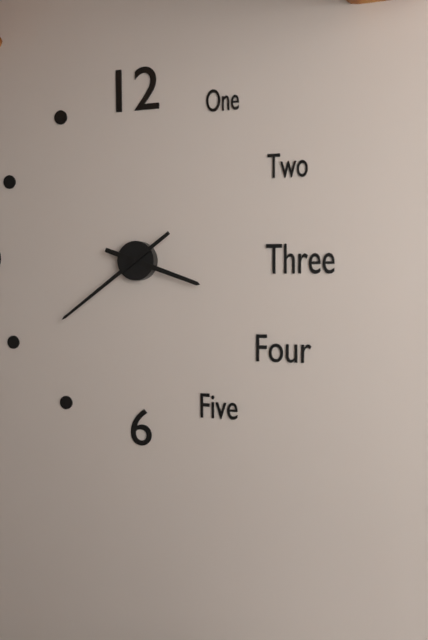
3:39
